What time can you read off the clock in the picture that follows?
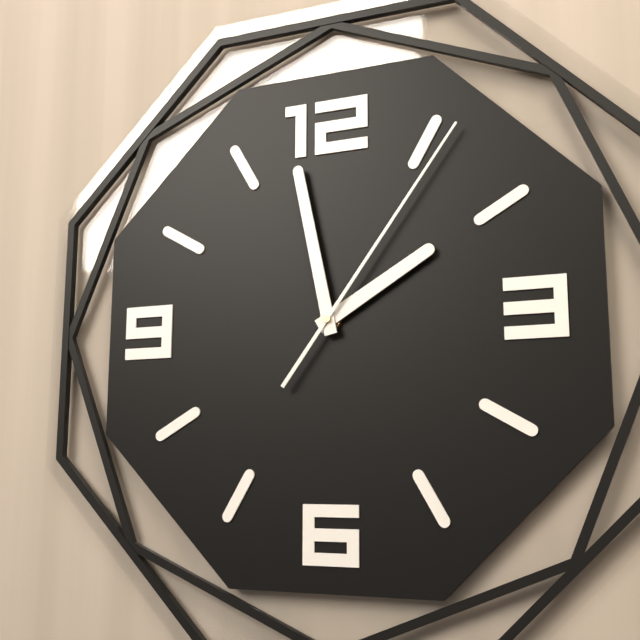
1:58:06
